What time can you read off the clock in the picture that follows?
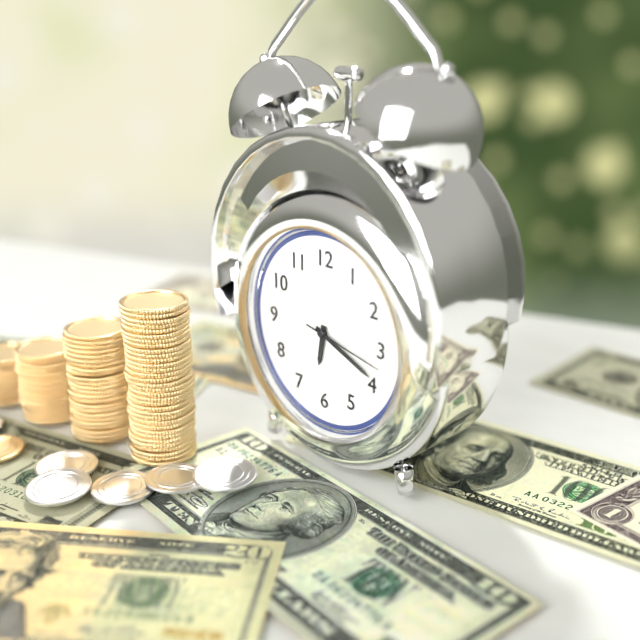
6:19:17
